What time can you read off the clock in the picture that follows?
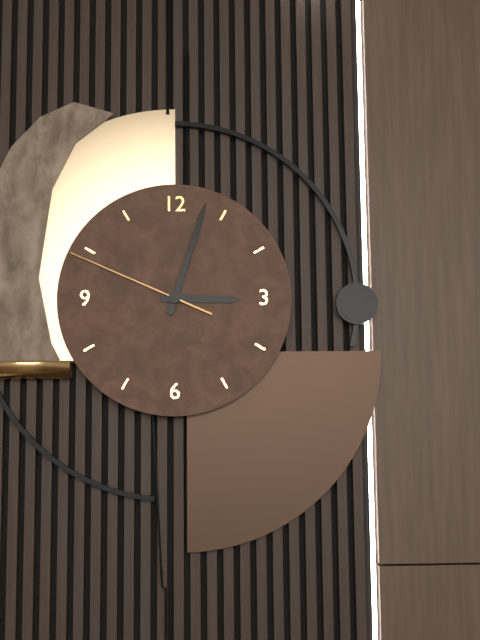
3:03:49
